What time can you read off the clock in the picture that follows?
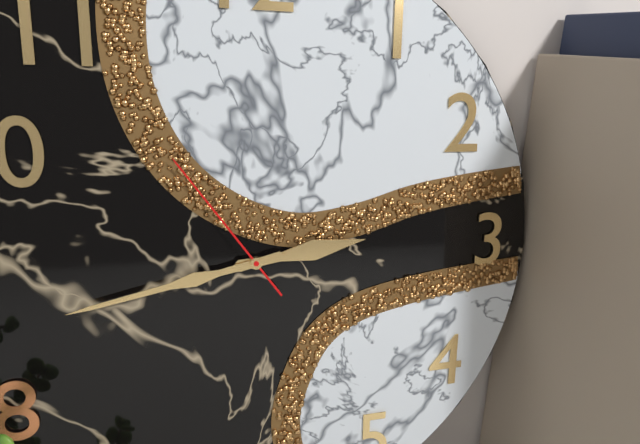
2:43:54
